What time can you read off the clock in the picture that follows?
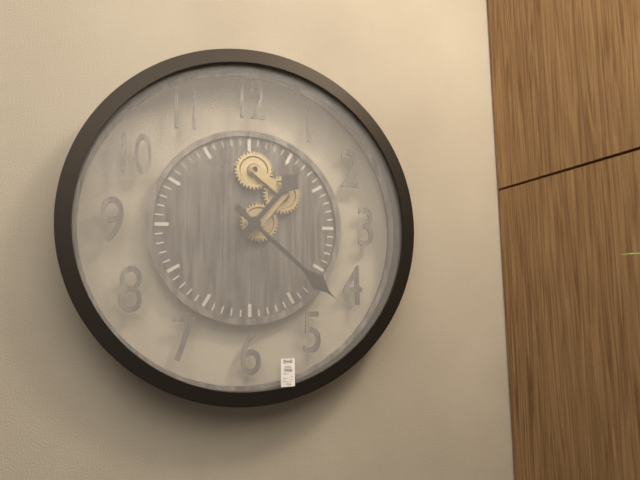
1:22
